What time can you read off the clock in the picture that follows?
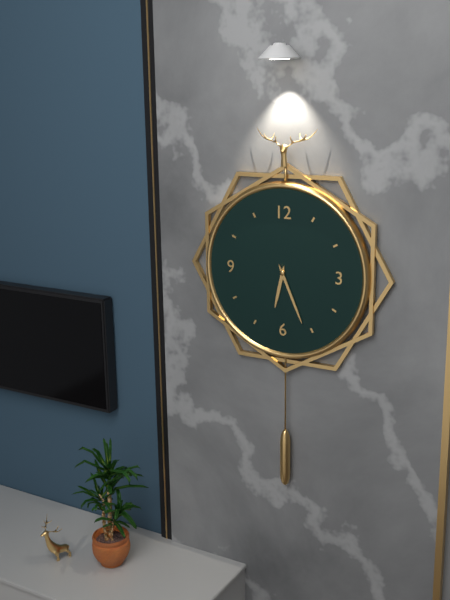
6:26
